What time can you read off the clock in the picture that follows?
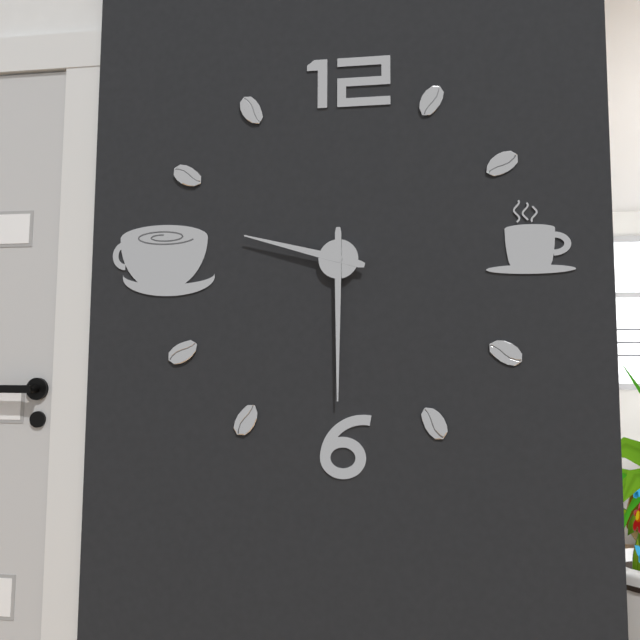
9:30
